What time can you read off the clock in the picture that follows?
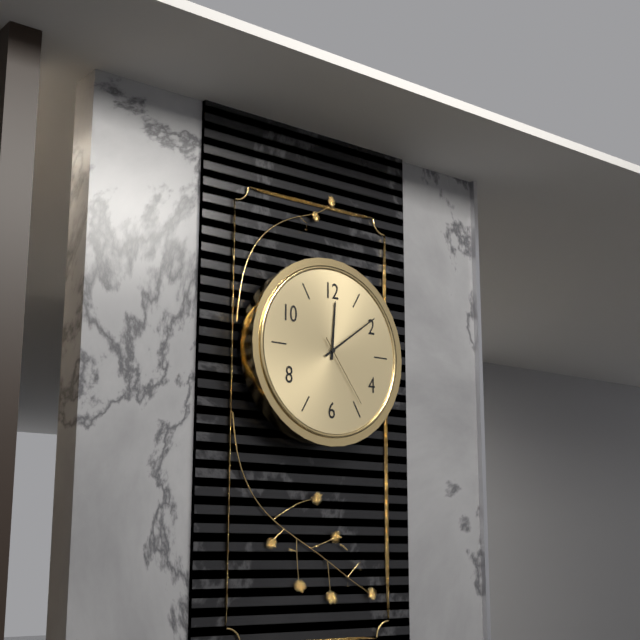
12:09:24
